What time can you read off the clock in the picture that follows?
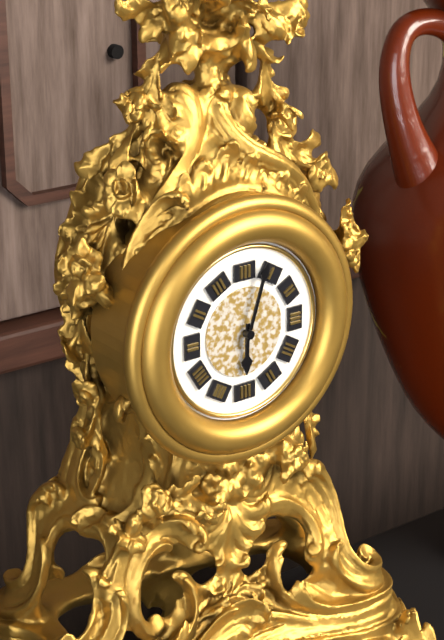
6:03
